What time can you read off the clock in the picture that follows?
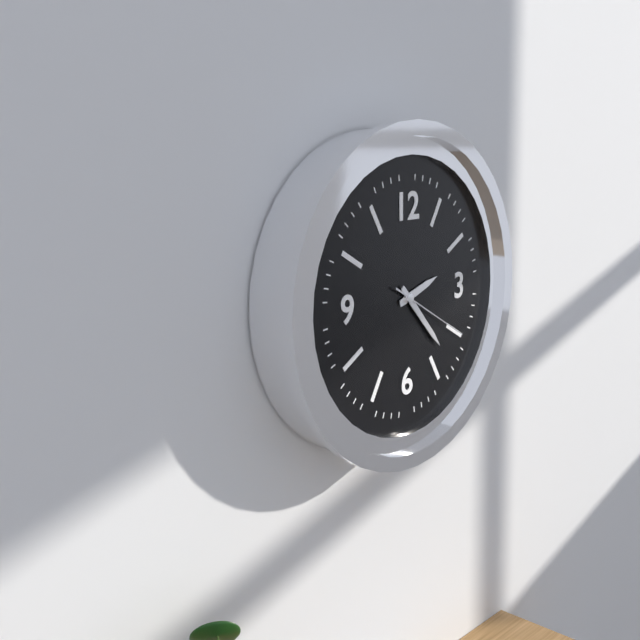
2:23:20
